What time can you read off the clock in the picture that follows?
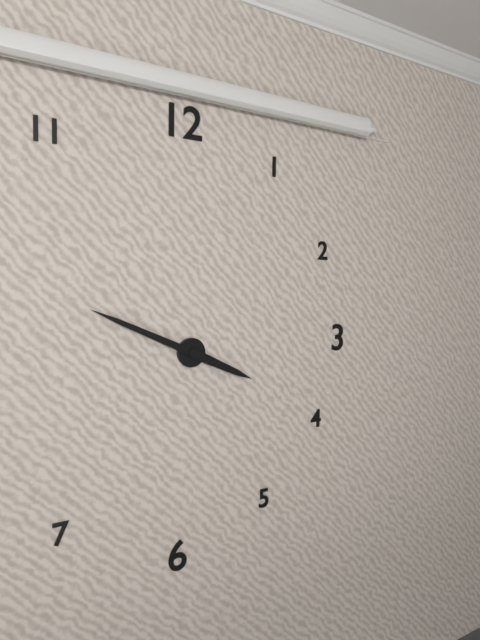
3:49
